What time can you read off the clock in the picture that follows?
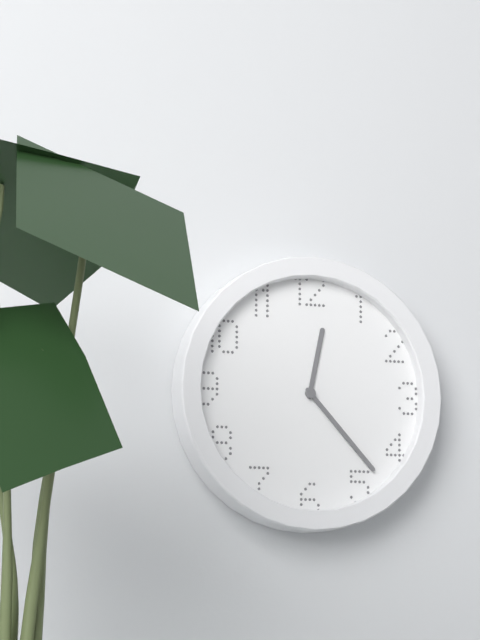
12:23
